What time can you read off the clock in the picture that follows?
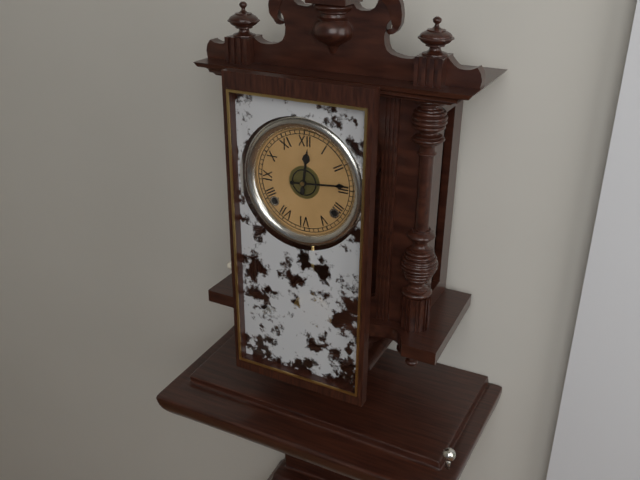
12:14
